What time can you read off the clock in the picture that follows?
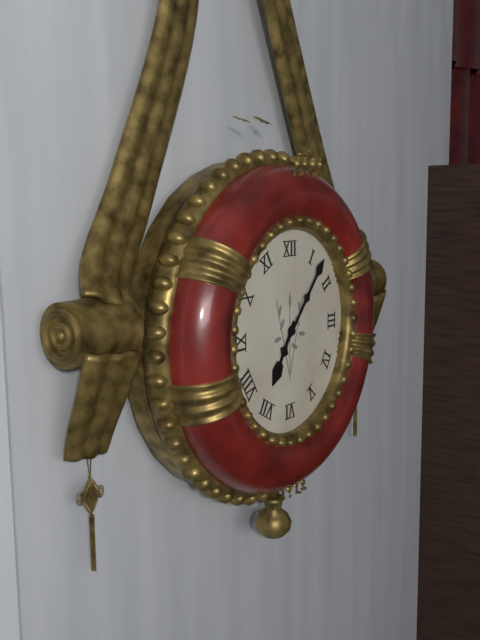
7:07
